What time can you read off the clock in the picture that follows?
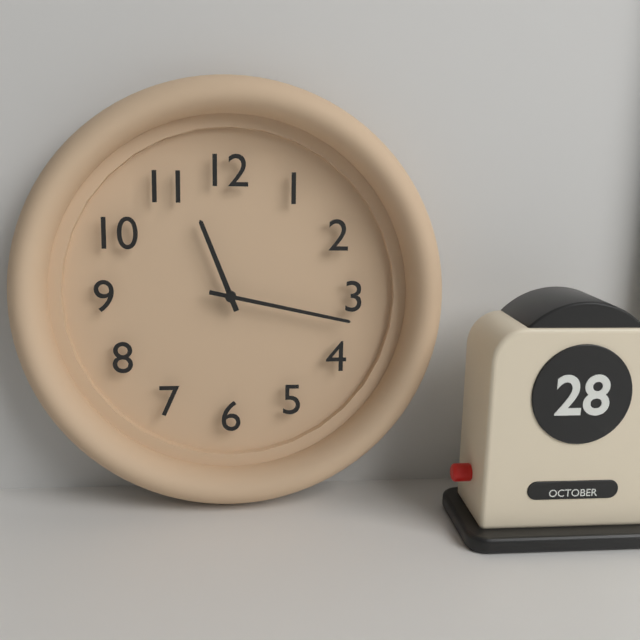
11:17
